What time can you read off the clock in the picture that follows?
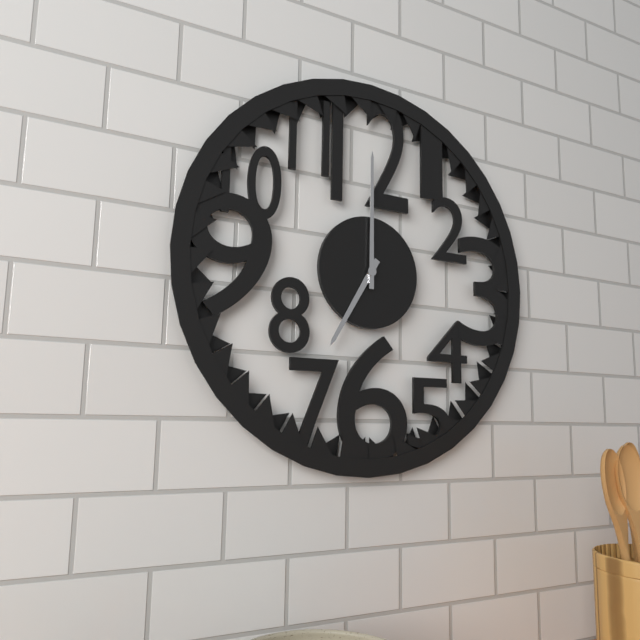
7:00
